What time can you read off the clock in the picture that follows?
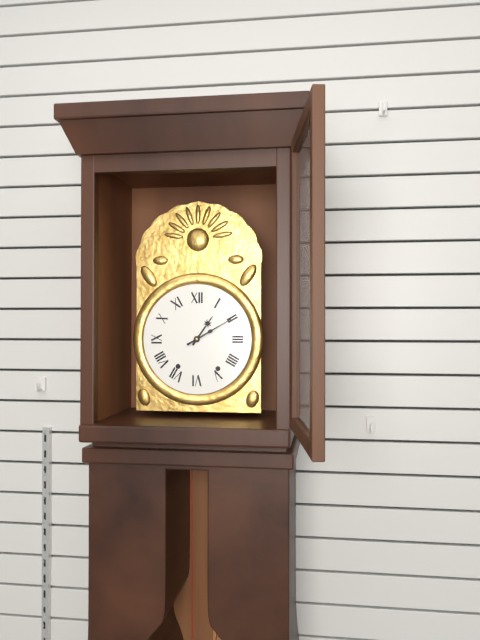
1:10
